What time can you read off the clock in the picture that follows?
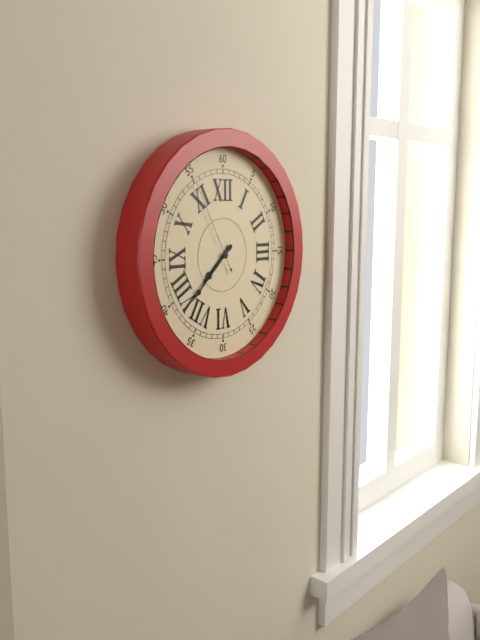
7:38:55
